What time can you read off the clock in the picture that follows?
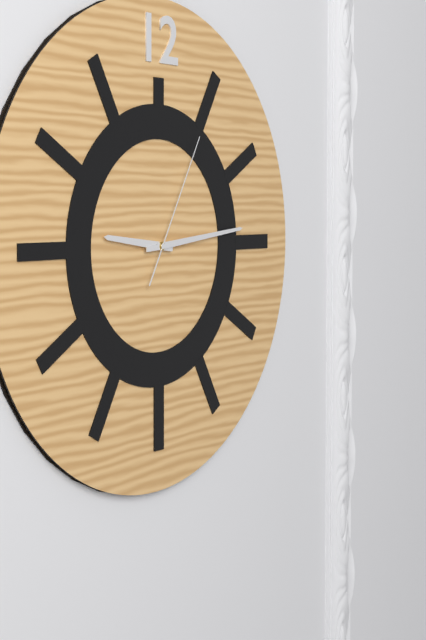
9:14:05
